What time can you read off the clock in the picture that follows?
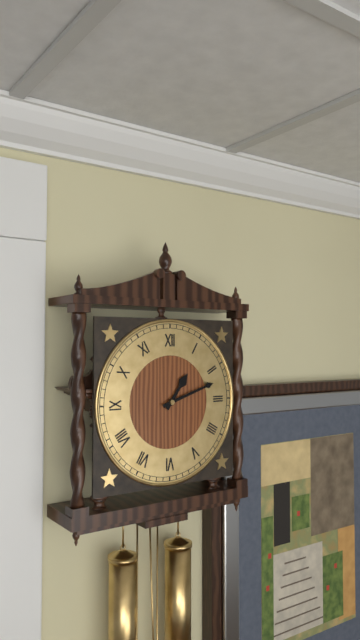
1:12
